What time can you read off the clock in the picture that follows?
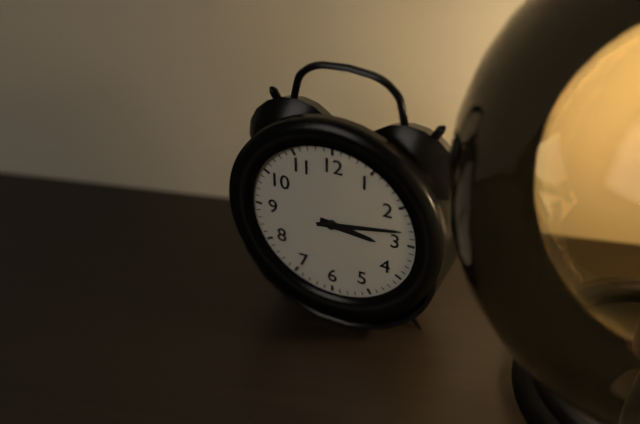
3:13
